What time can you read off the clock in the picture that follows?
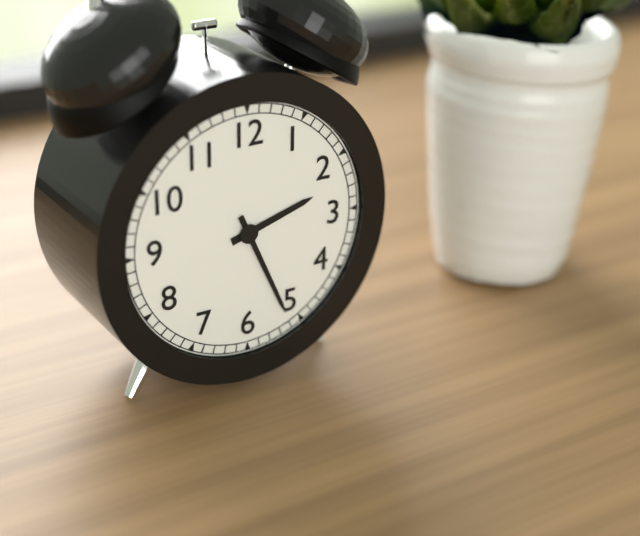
2:26
